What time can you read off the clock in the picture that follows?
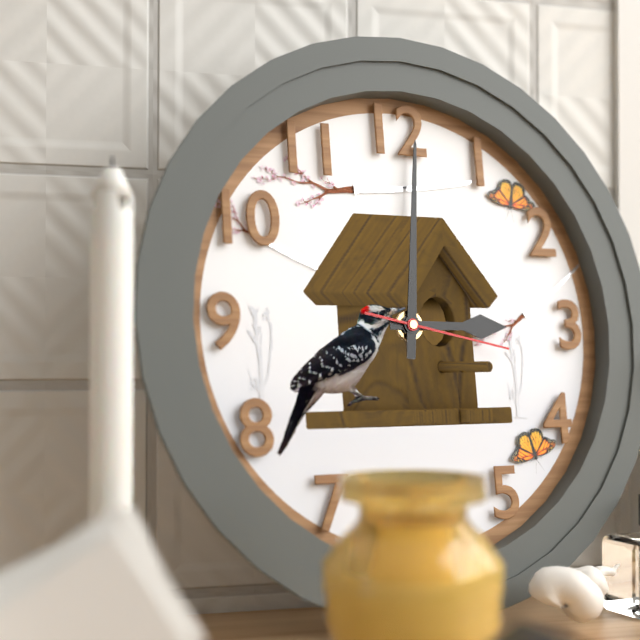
3:01:17
